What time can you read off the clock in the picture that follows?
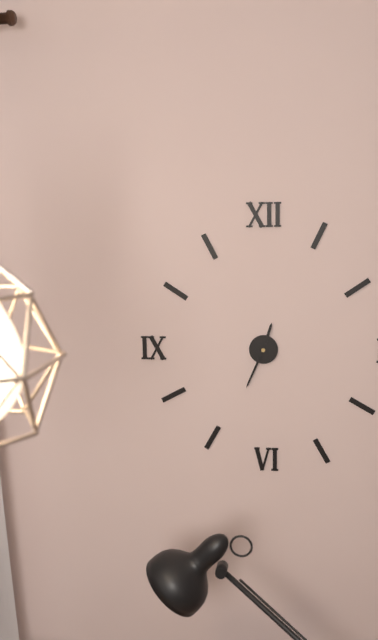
12:34
